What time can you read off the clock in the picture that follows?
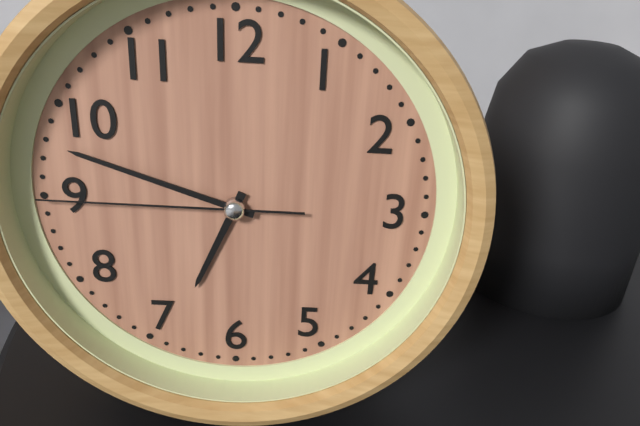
6:48:45
